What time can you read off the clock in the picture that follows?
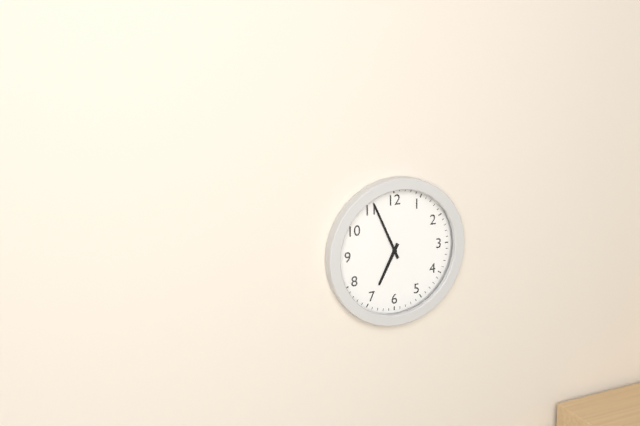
6:56
